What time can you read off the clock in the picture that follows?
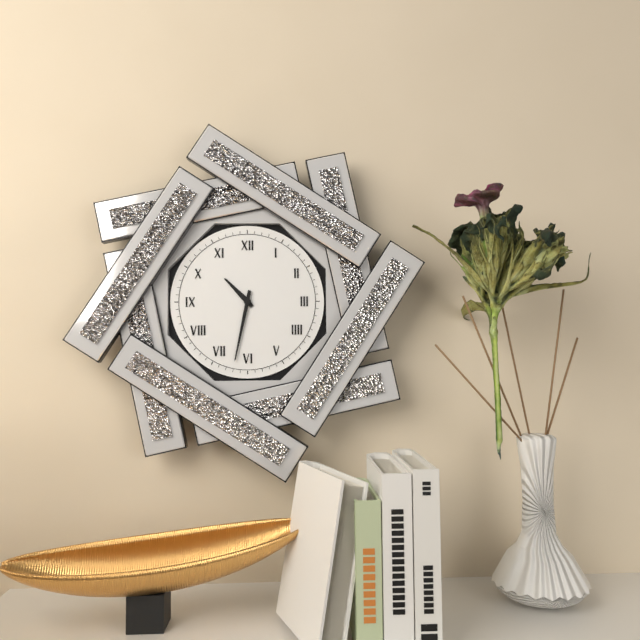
10:32
